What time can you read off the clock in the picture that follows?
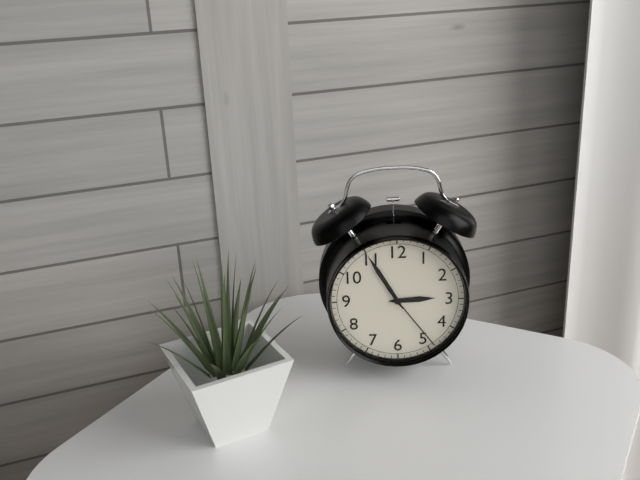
2:55:24
